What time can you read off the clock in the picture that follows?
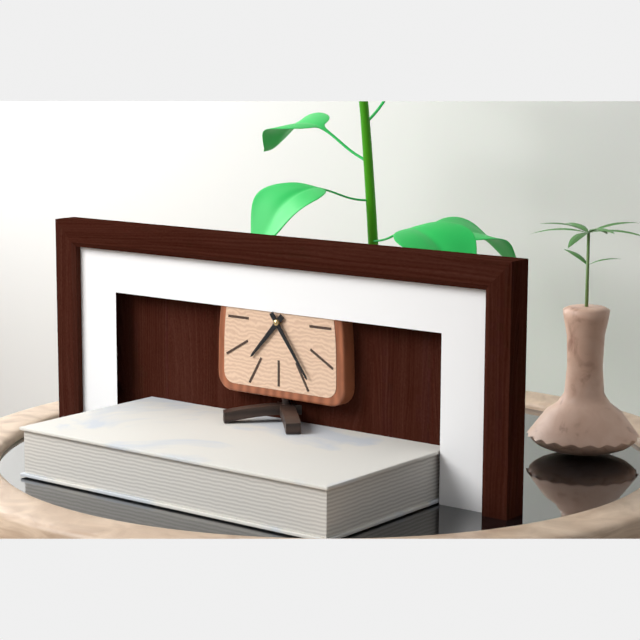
7:24
